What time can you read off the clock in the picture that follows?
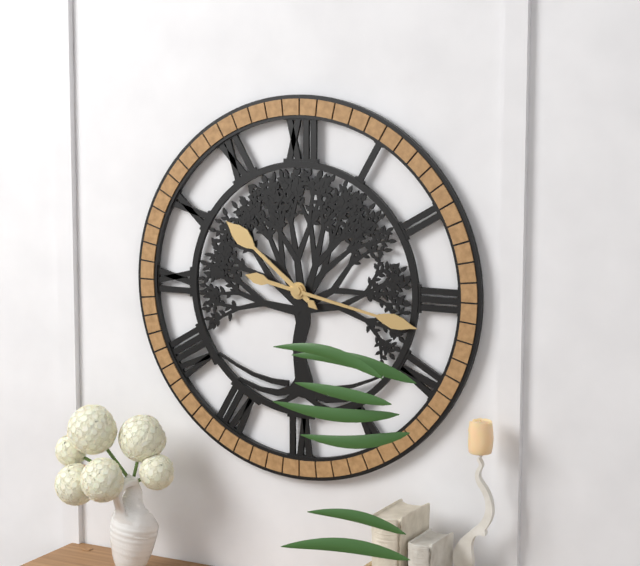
10:17
